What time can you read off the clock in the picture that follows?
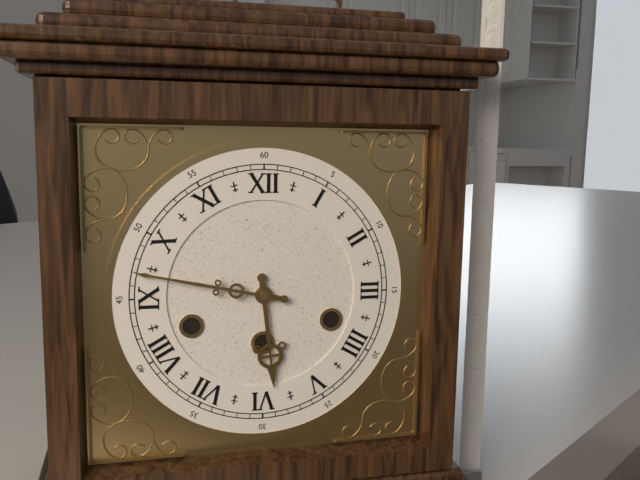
5:47
